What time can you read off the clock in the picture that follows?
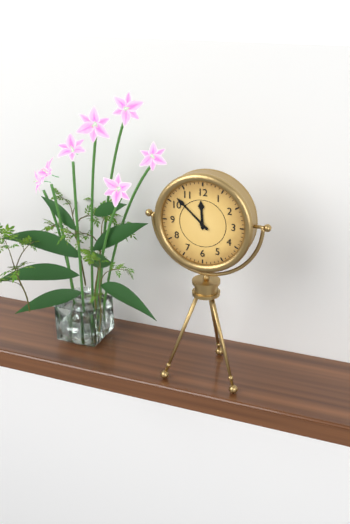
11:52
